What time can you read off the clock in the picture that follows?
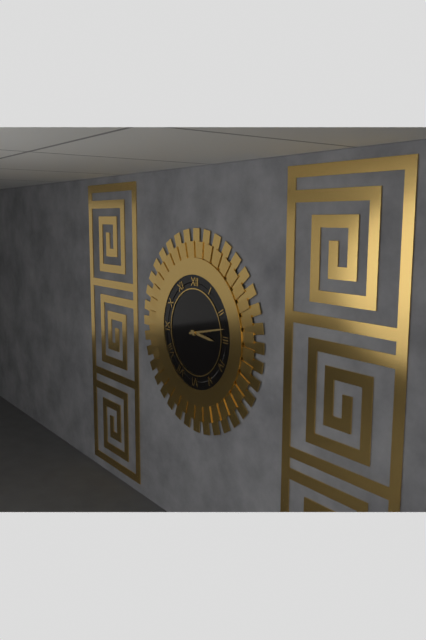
3:13
